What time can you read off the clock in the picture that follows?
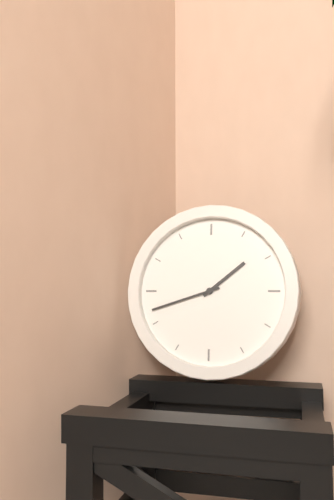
1:42
